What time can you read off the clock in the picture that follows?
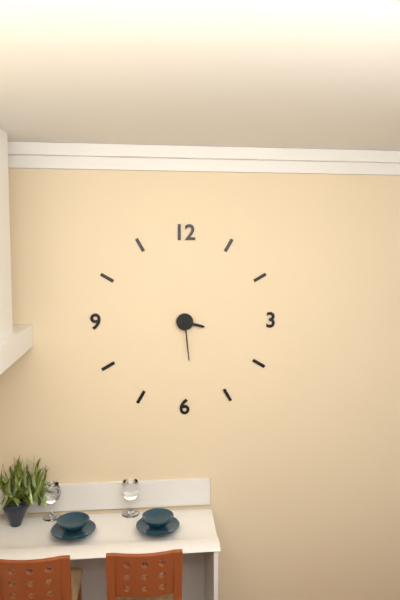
3:29
